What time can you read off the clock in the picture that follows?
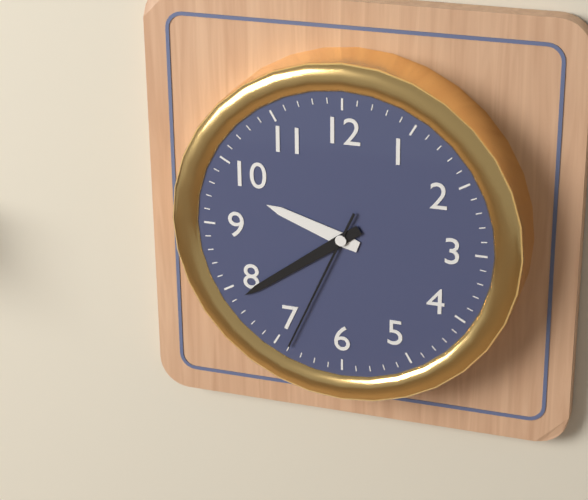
9:39:34
